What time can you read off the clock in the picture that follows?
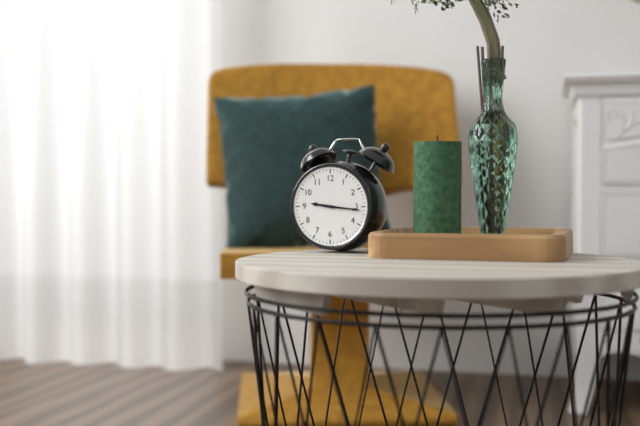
9:16
